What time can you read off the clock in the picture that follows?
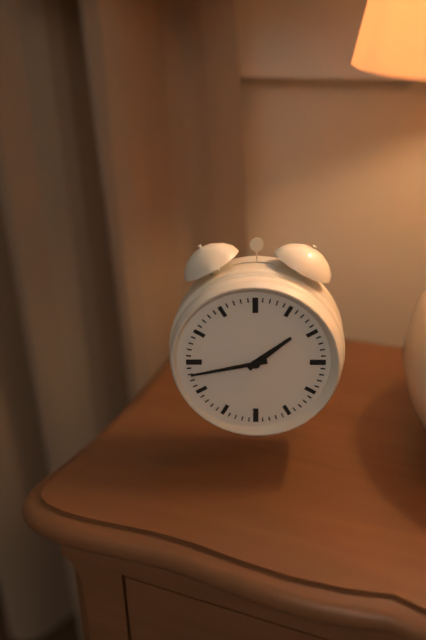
1:43
